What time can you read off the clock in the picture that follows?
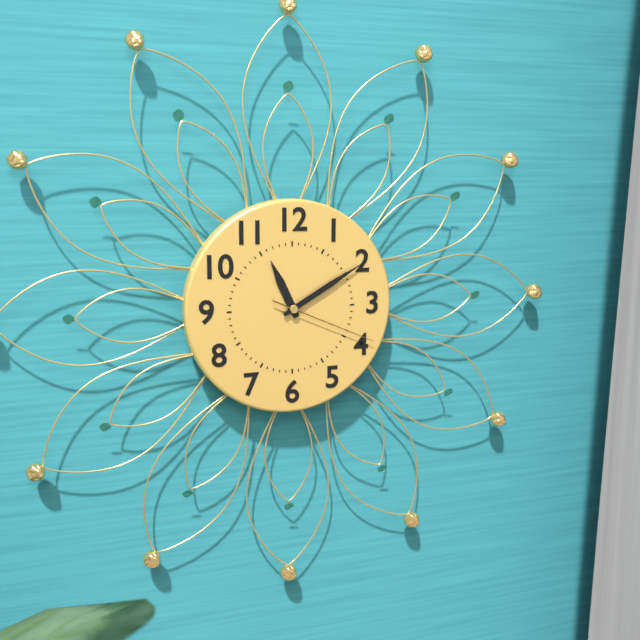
11:10:19
